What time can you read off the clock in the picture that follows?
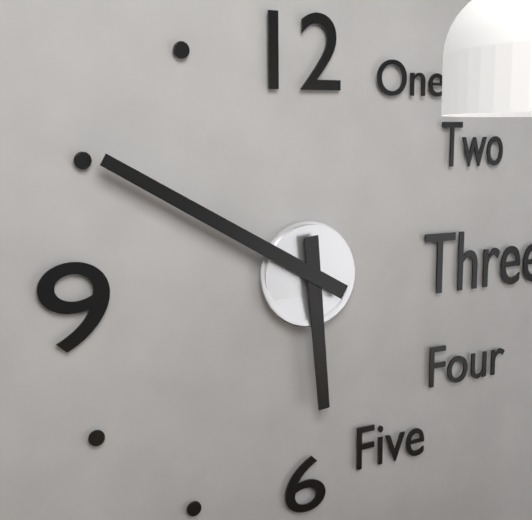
5:50
